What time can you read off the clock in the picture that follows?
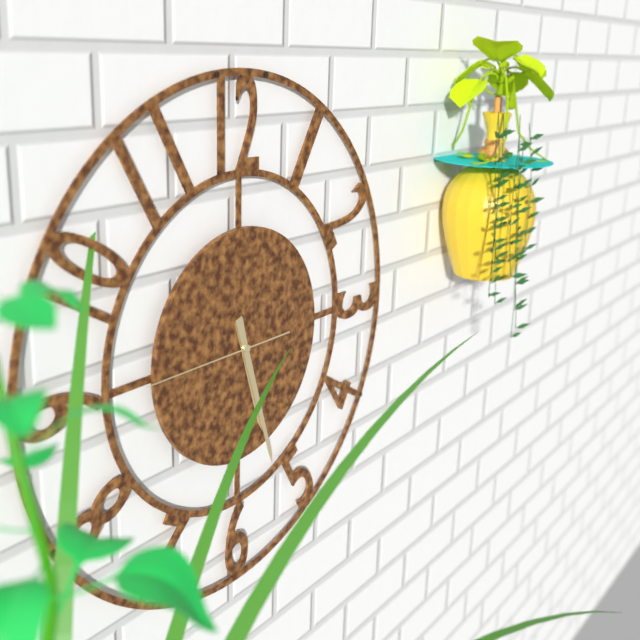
5:27:45
